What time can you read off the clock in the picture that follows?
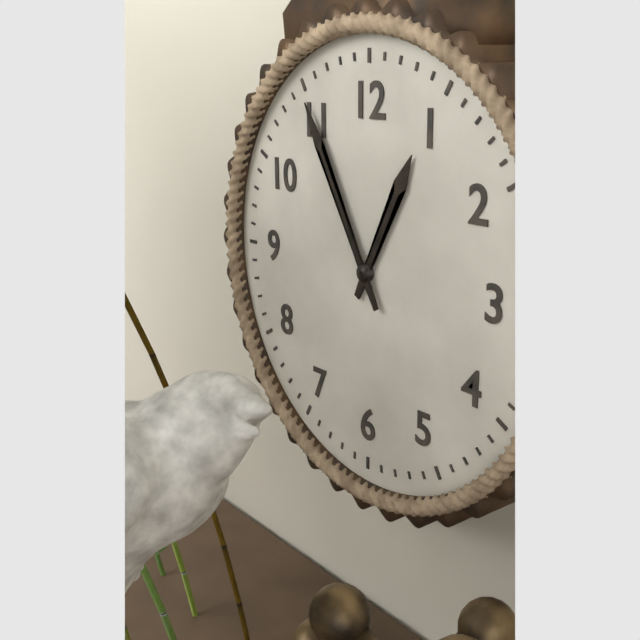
12:55
